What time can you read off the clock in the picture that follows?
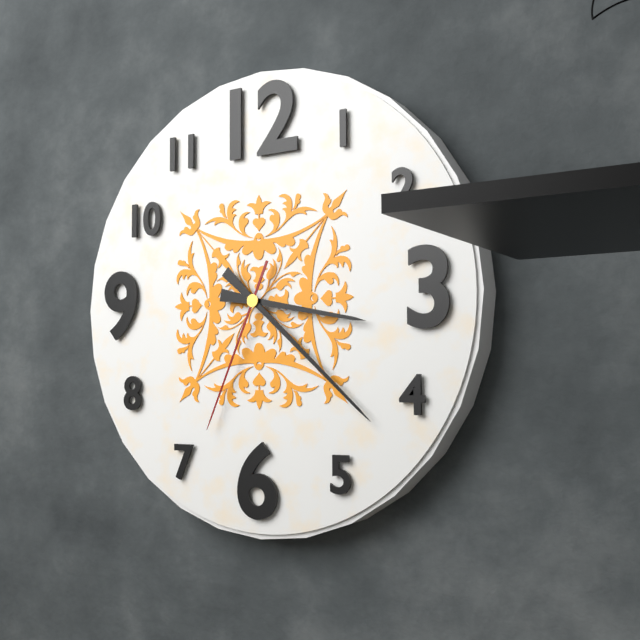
3:22:34
